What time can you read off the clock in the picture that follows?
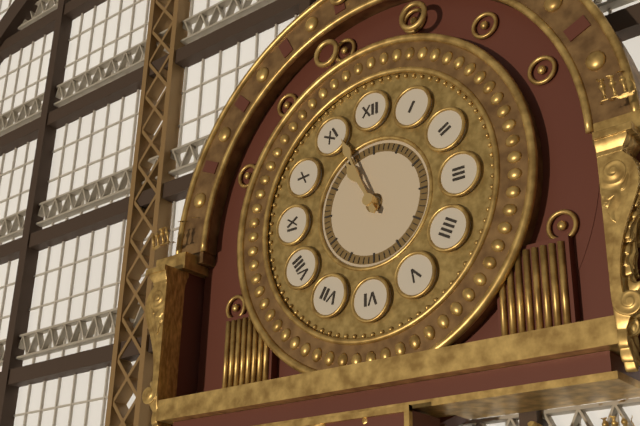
10:56
